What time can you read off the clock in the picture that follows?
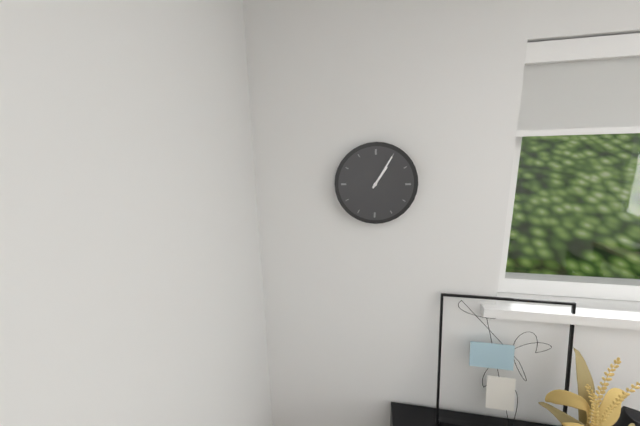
1:05
